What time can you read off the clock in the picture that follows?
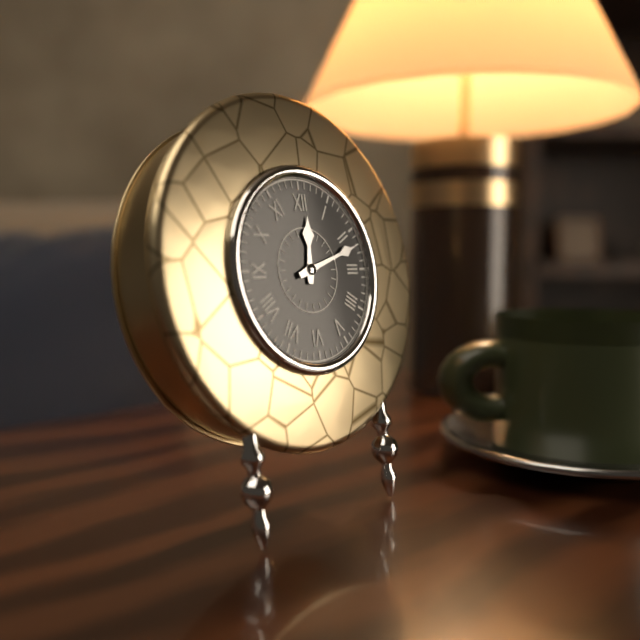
12:12
